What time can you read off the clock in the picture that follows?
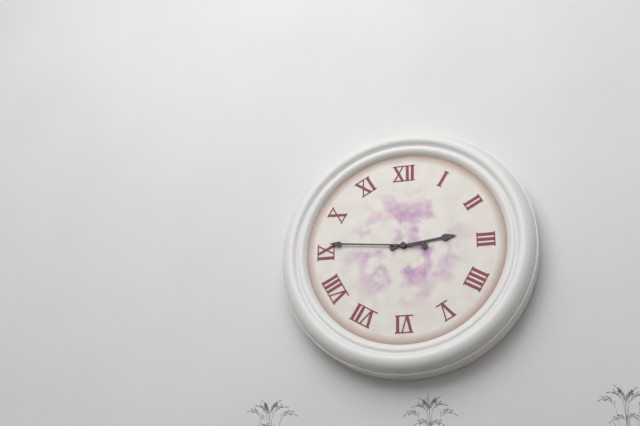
2:46
